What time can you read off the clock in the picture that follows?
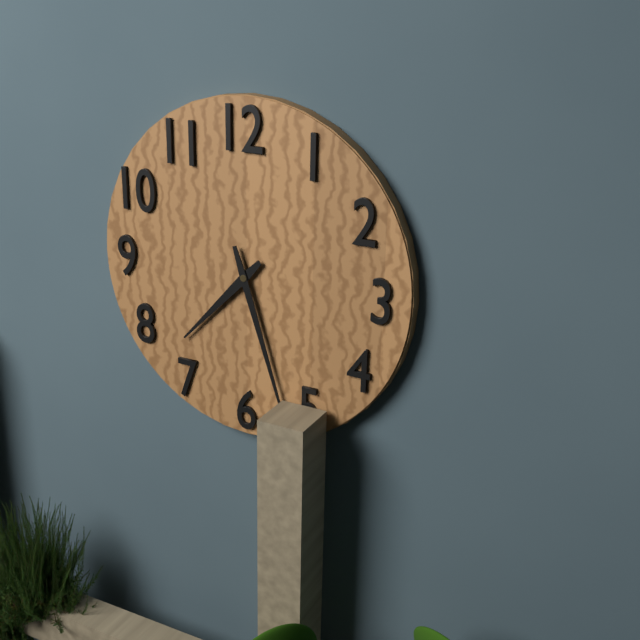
7:27
